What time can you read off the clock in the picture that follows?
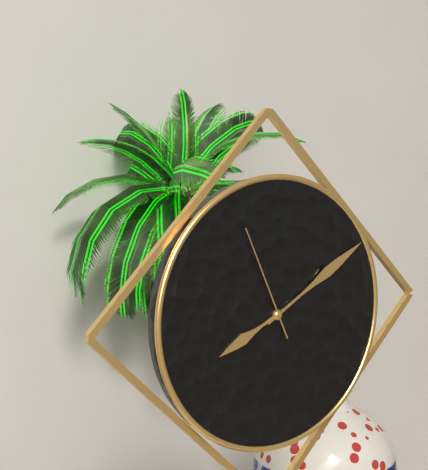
8:10:56
